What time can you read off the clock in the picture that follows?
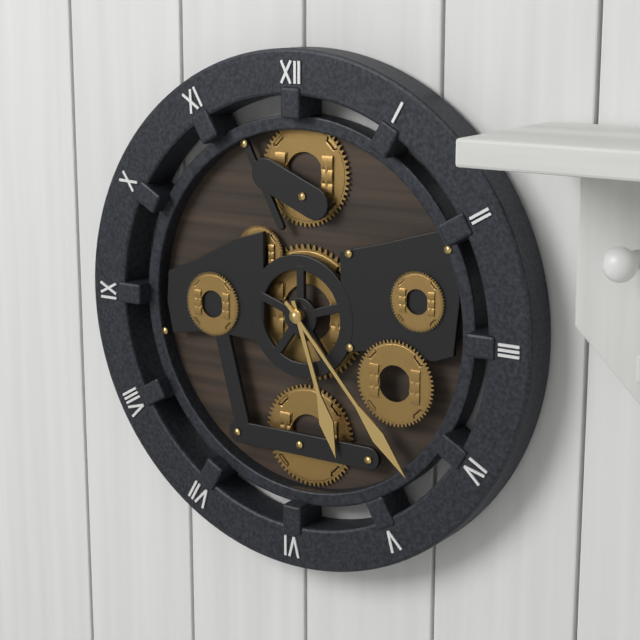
5:23
